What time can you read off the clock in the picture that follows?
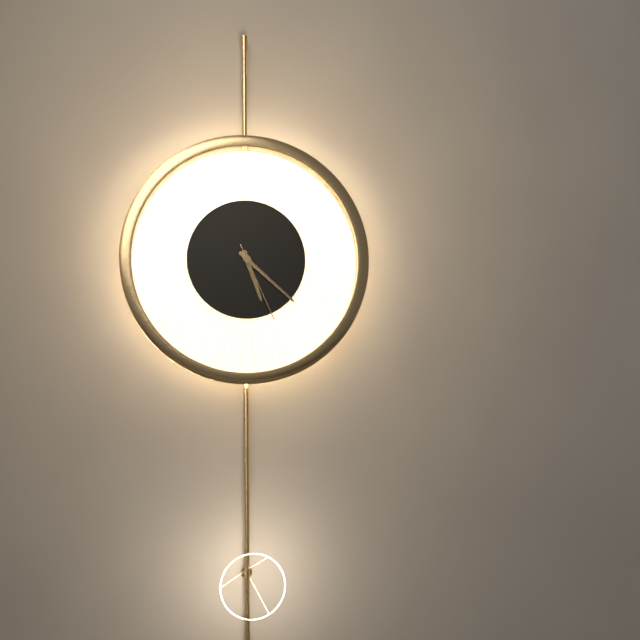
5:22:26
